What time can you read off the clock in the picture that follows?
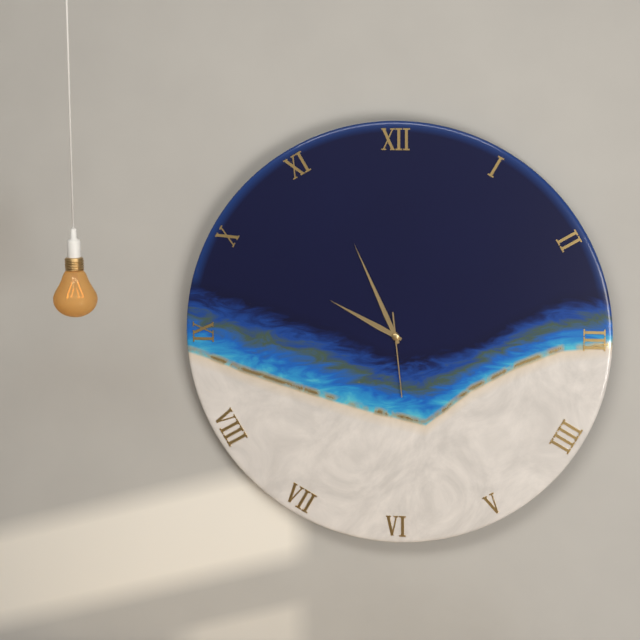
9:56:29
